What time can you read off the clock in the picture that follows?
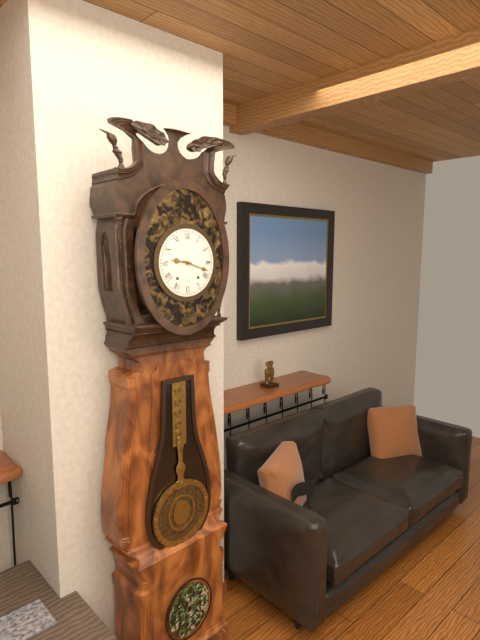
9:18
